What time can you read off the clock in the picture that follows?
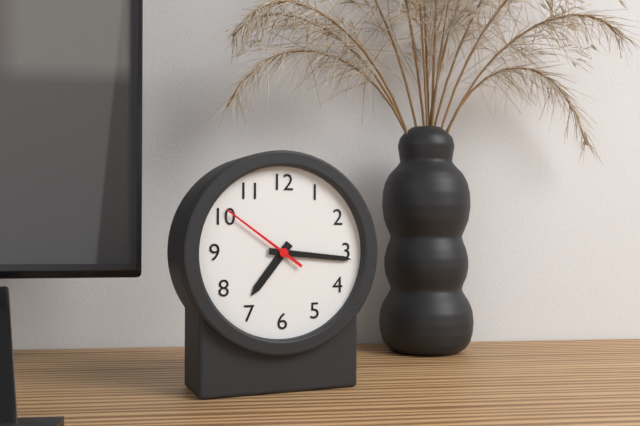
7:16:51
